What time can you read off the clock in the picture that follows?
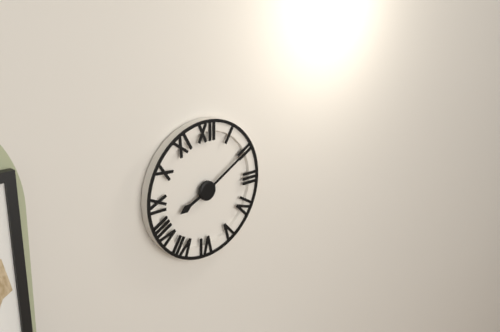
8:10
